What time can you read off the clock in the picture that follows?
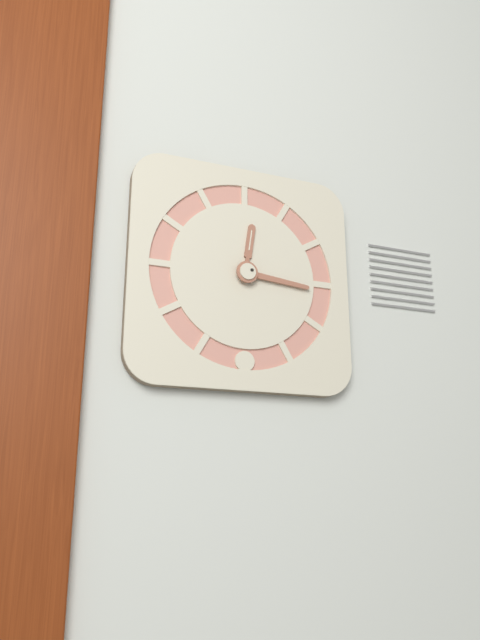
12:16
